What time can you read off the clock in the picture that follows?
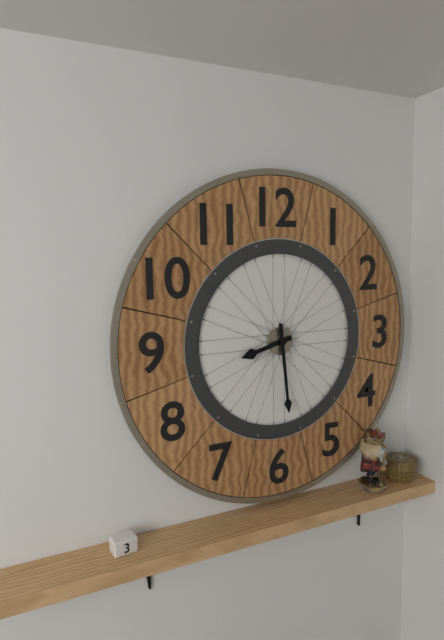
8:29
